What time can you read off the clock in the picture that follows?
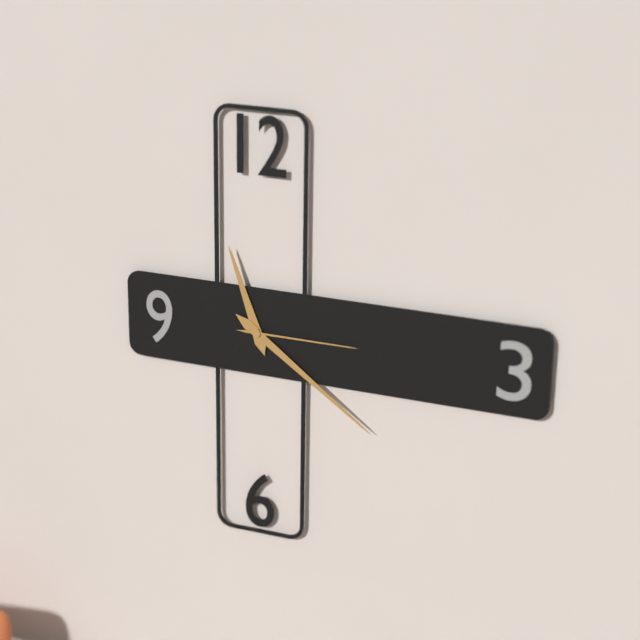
11:21:15
